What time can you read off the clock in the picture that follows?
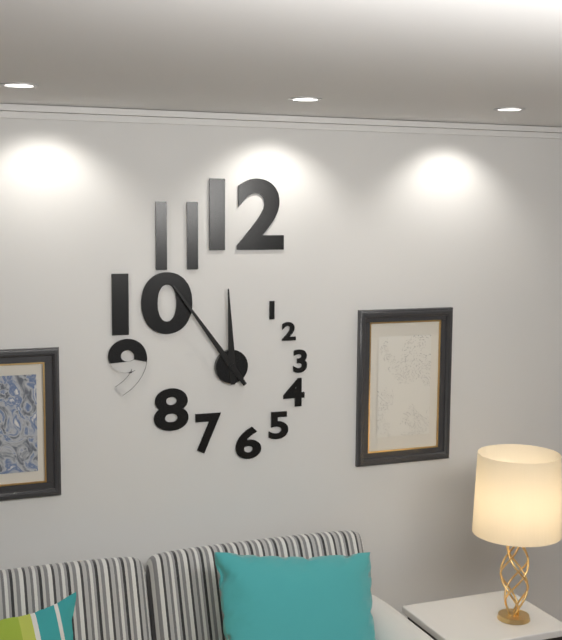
11:54
